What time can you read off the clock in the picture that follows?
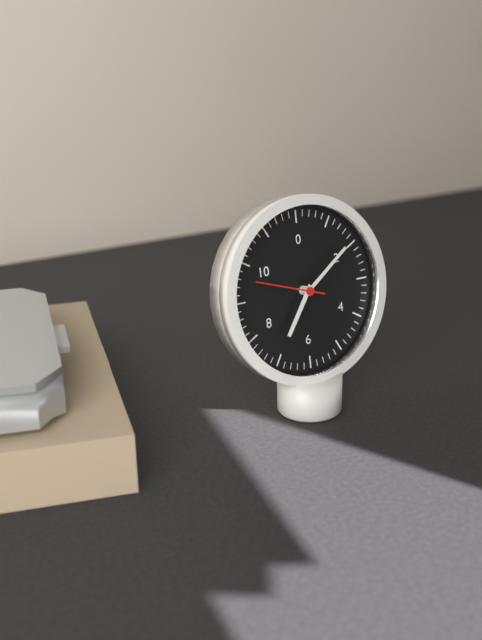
7:09:48
